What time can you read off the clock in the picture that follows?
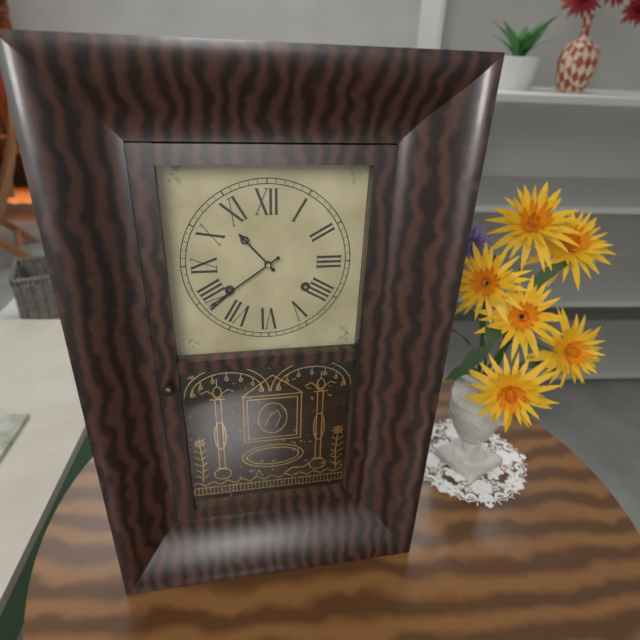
10:39
